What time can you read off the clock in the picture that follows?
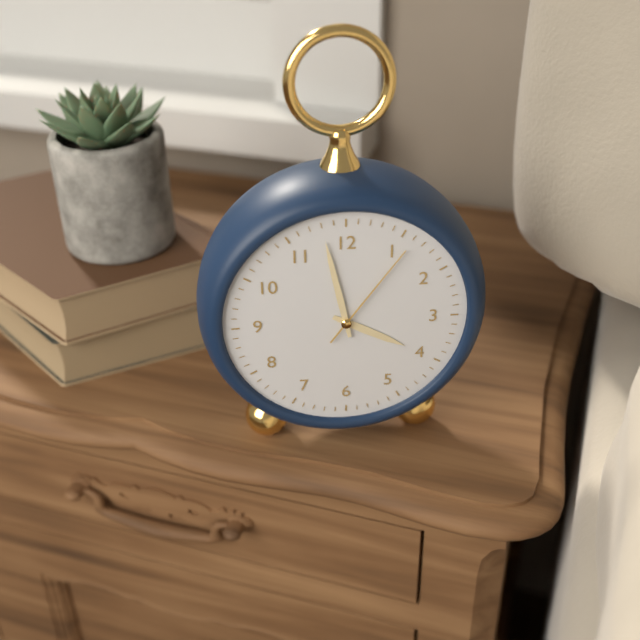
3:58:06
